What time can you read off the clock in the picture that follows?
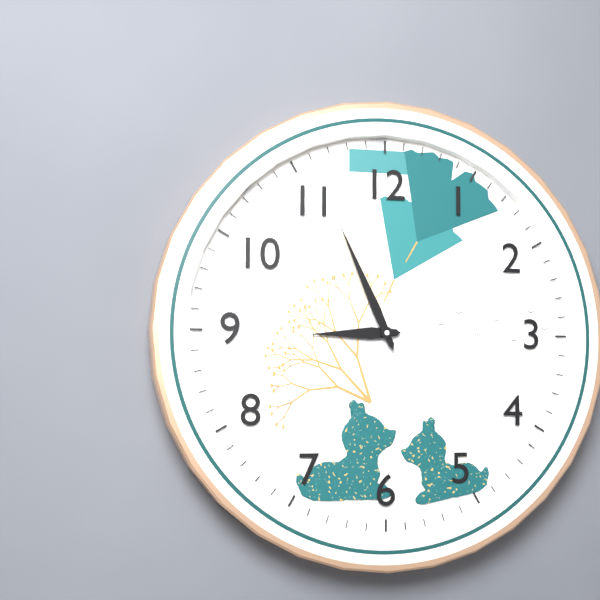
8:56
